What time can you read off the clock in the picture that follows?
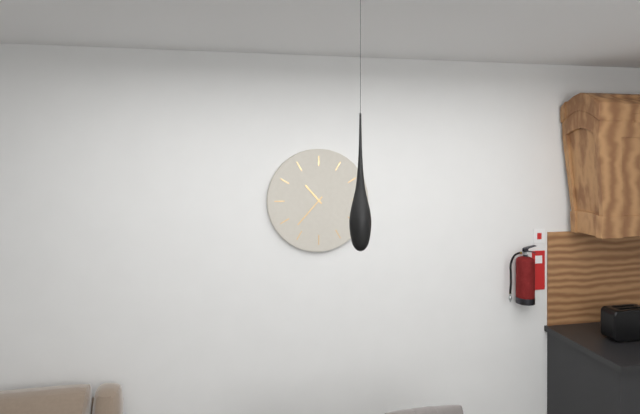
10:37
